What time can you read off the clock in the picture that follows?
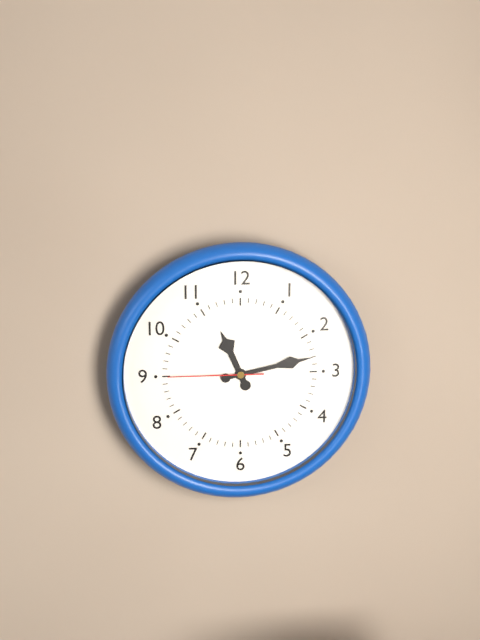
11:13:45
